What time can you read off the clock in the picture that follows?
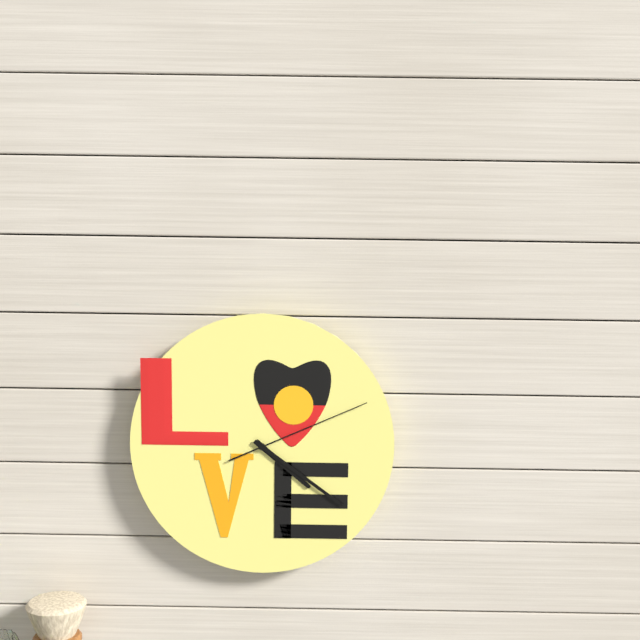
4:21:11
